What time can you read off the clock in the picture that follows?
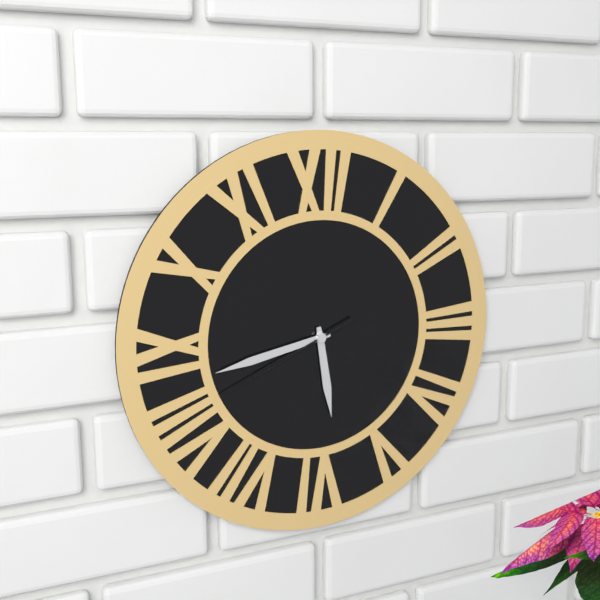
5:43:41
